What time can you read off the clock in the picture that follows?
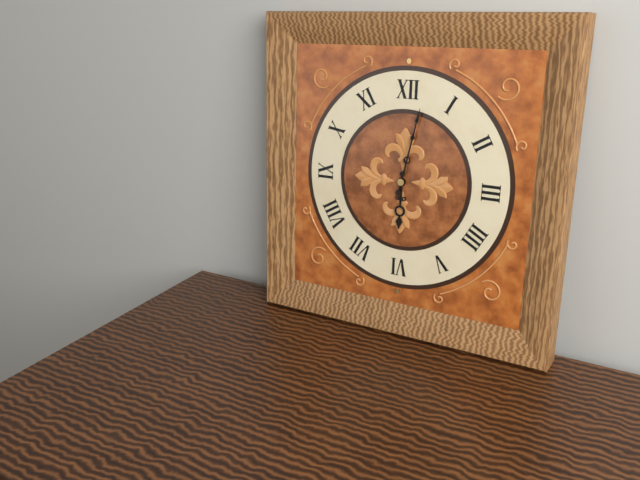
6:02
